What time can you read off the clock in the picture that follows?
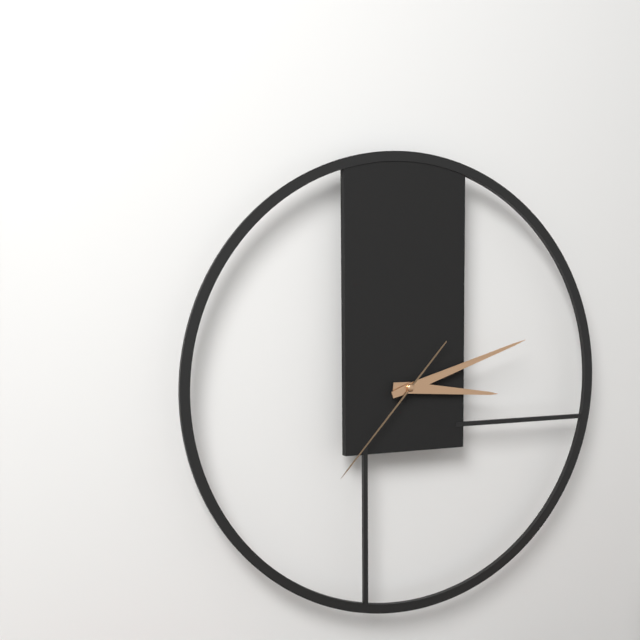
3:12:37
